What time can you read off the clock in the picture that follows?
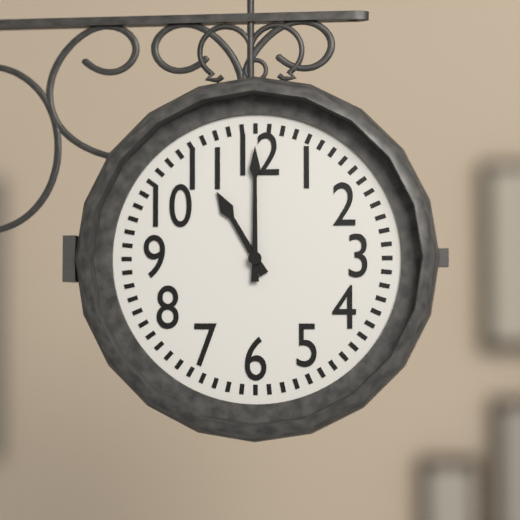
11:00
